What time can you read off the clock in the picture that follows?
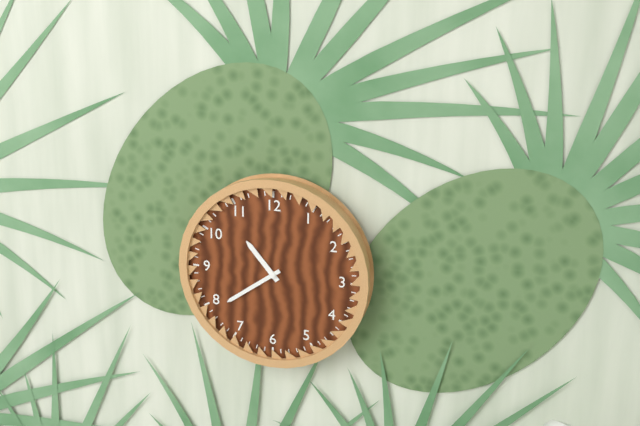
10:39
